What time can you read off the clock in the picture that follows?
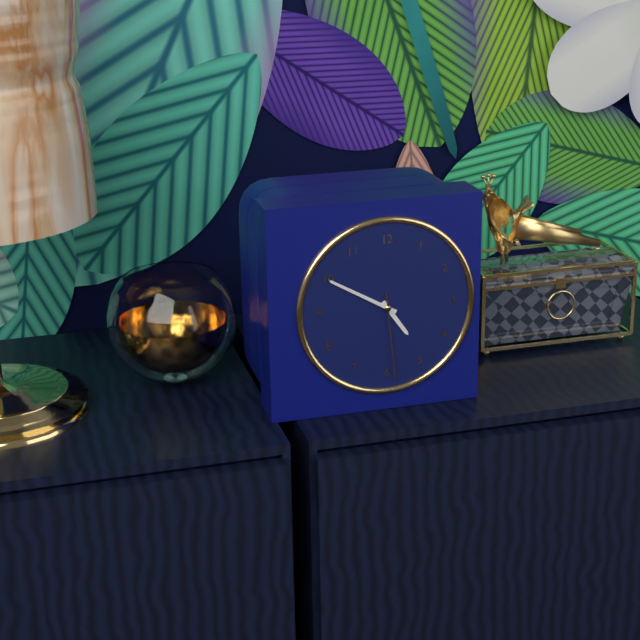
4:50:29
